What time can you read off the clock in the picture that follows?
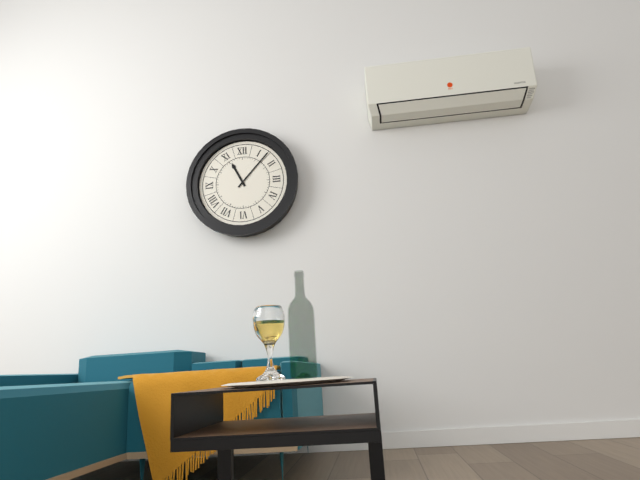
11:07
